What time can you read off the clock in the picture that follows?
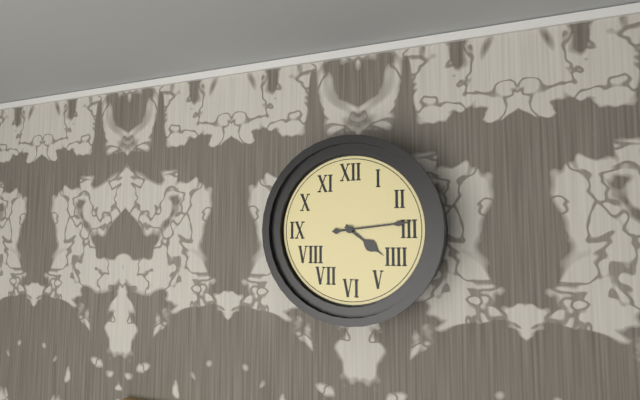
4:14
